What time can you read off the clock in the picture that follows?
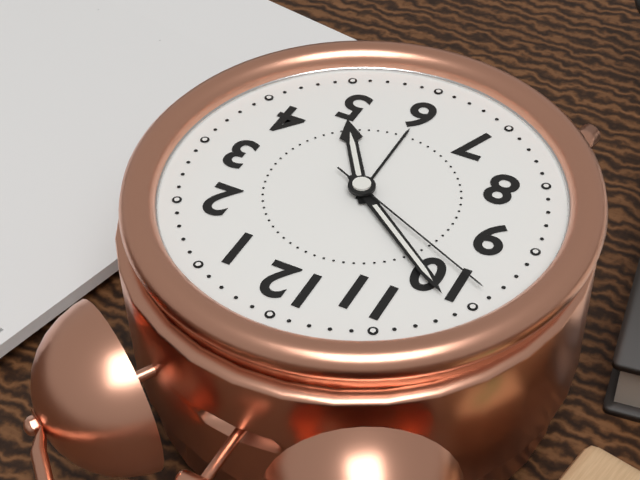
4:51:49
